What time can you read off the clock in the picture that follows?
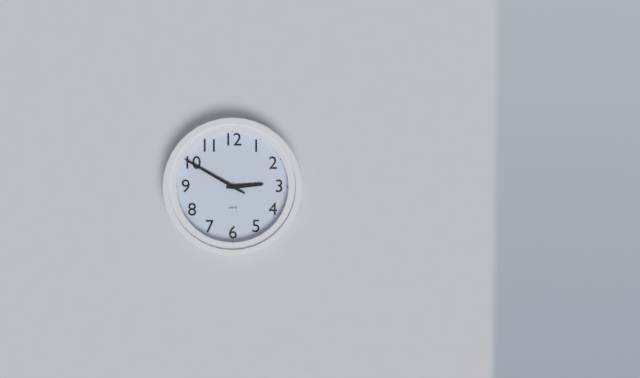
2:50
